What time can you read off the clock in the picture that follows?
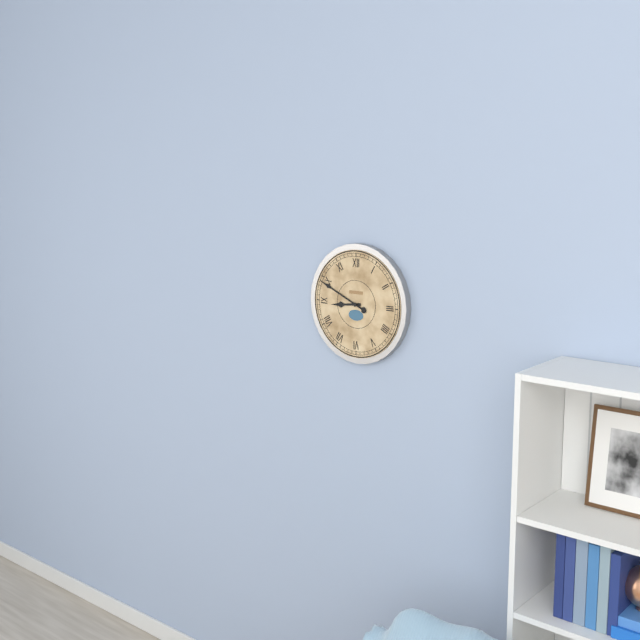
8:49
